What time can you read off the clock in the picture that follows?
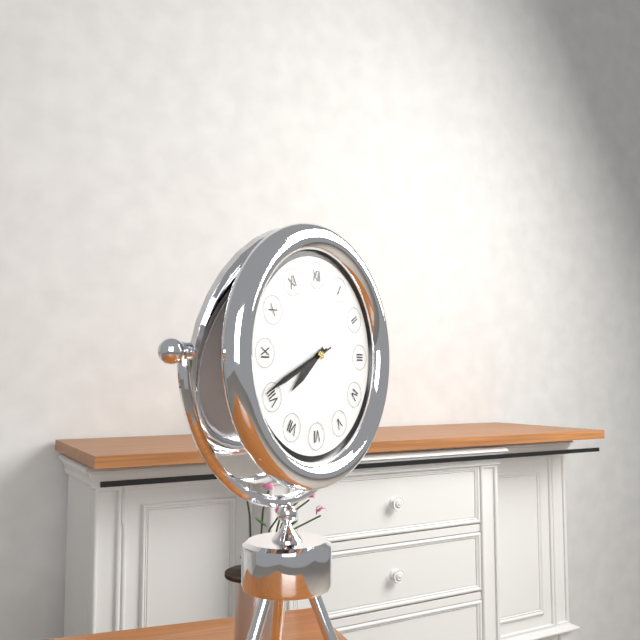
7:41:41
